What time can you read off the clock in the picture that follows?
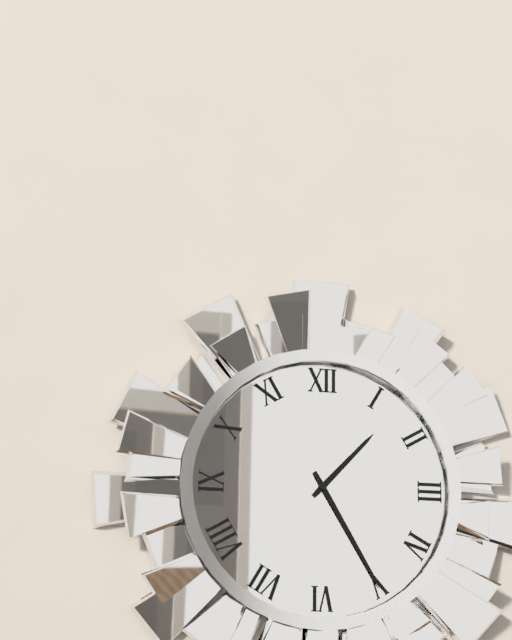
1:25
